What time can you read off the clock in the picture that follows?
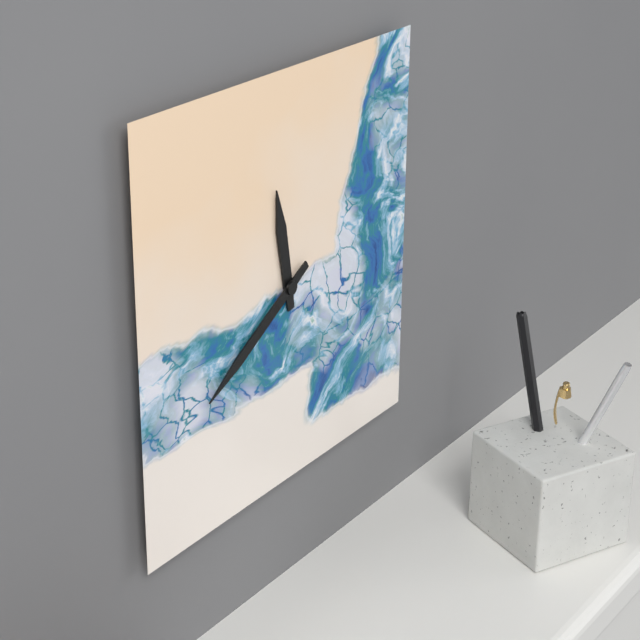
11:40
